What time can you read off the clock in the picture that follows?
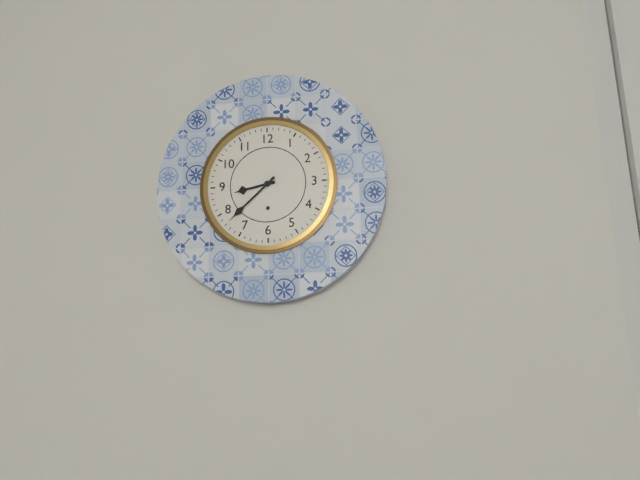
8:38
